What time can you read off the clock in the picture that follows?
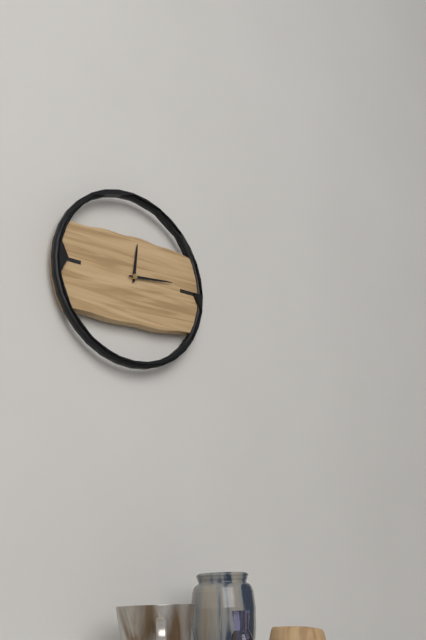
12:14
